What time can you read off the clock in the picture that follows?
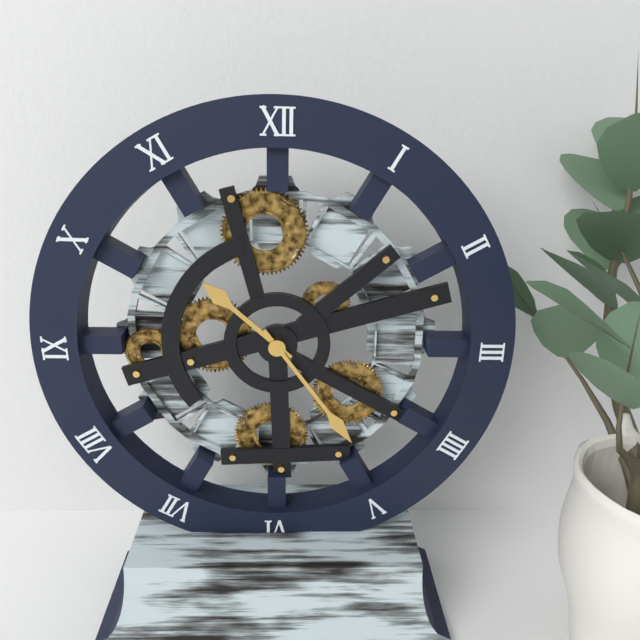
10:24
